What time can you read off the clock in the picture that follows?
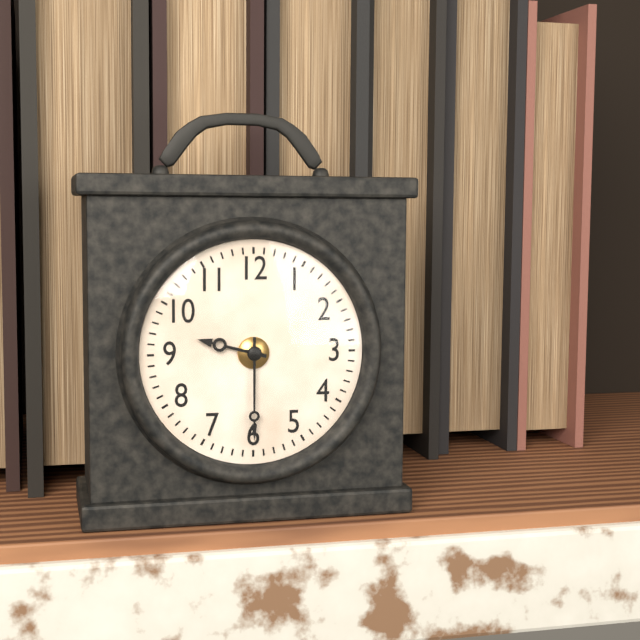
9:30
